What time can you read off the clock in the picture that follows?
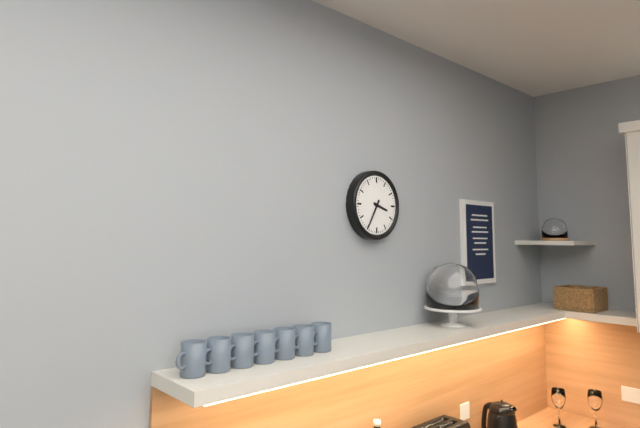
3:35
